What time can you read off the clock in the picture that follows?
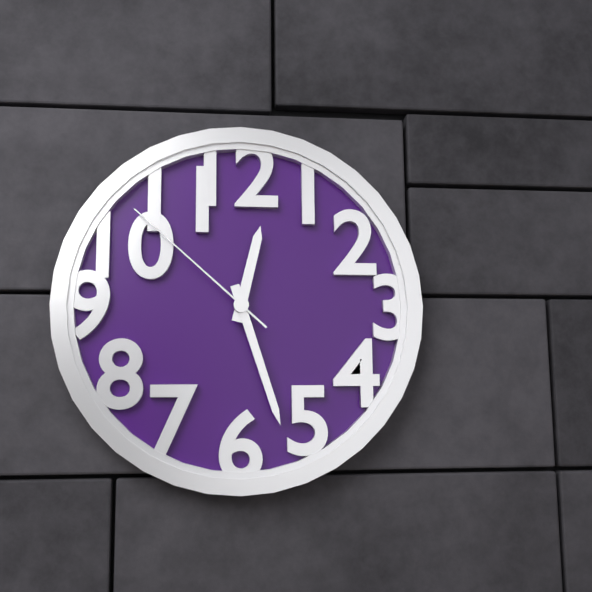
12:27:52
